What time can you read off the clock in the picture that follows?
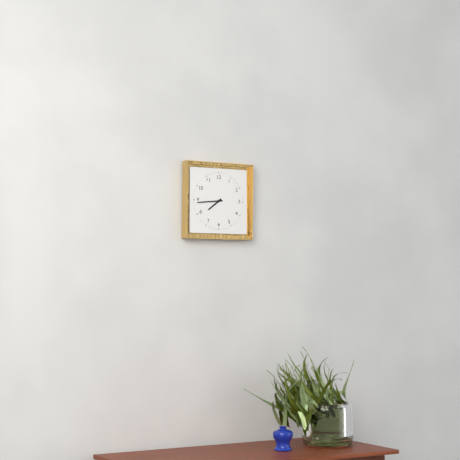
7:44
